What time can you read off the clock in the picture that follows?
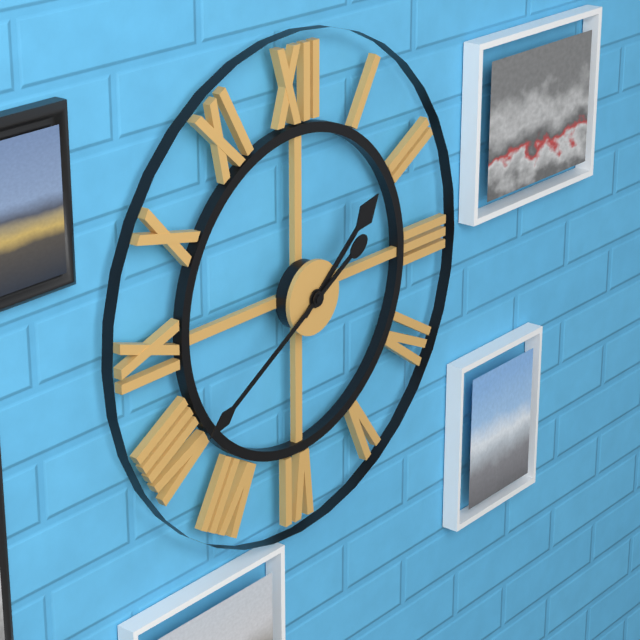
1:40
